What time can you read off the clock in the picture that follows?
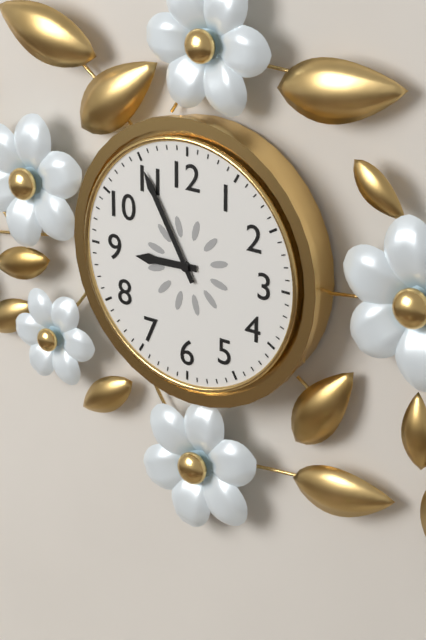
8:55
